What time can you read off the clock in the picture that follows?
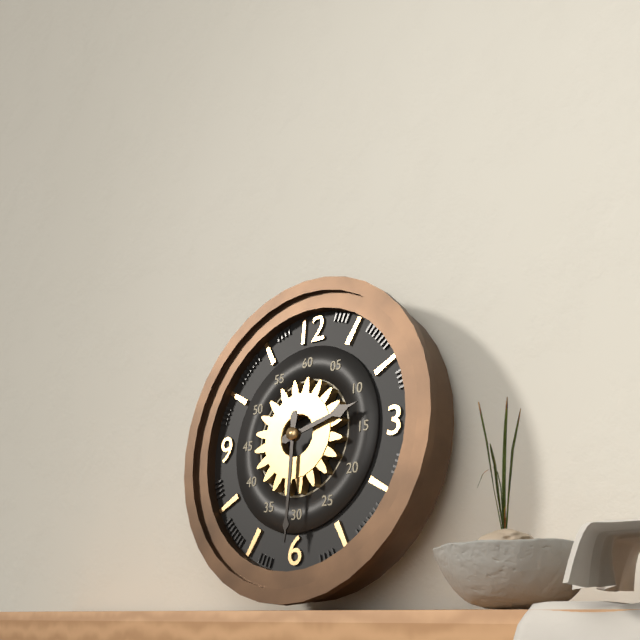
2:30
